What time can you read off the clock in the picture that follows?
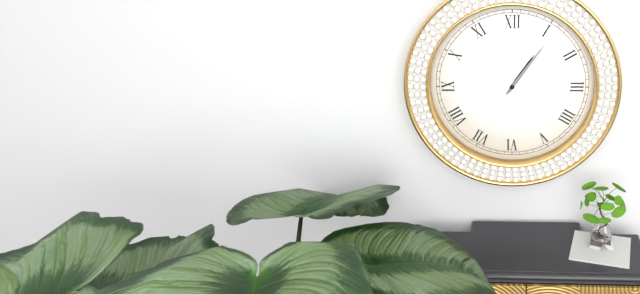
1:06
